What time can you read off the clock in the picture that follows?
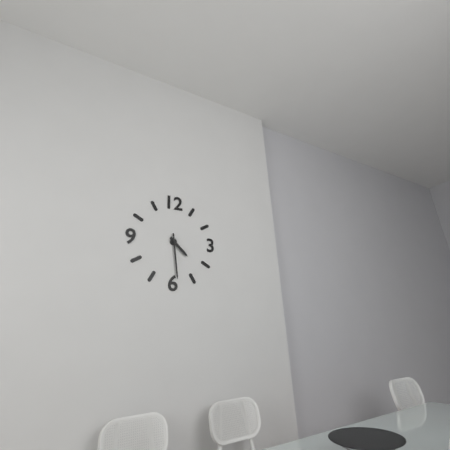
4:29
